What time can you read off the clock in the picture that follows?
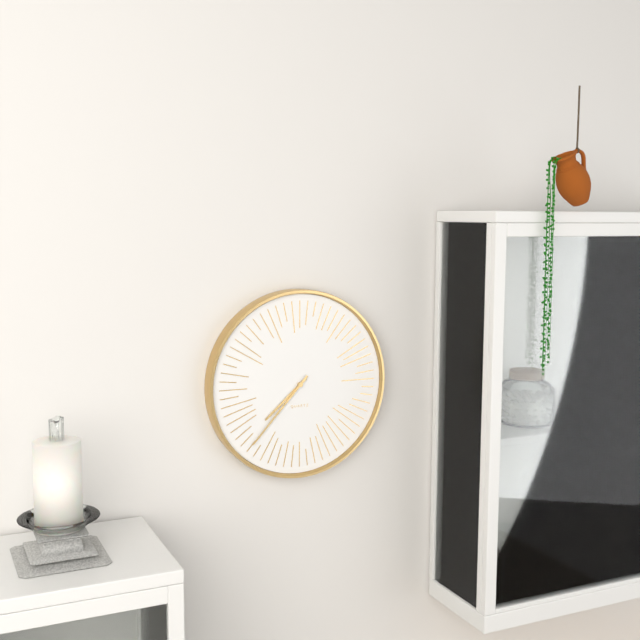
7:37
